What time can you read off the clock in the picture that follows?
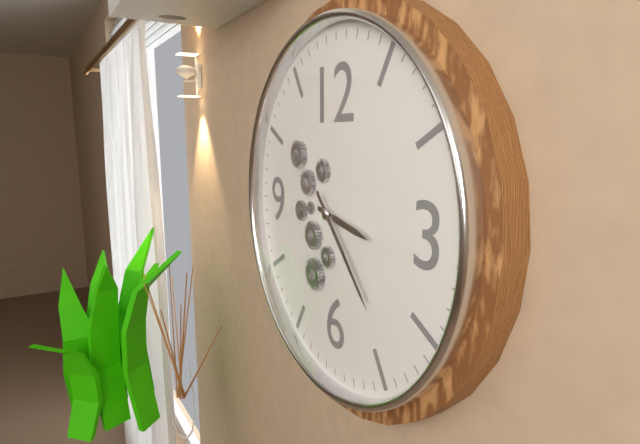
3:23
